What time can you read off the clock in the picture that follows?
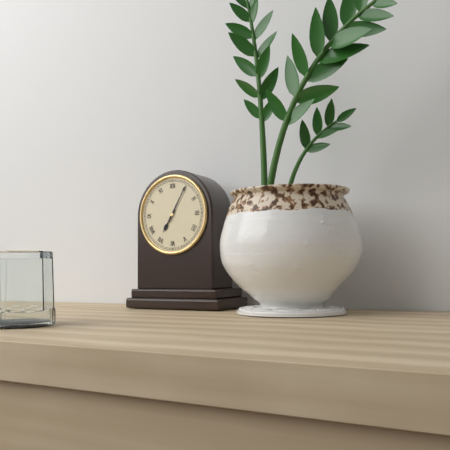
7:05
